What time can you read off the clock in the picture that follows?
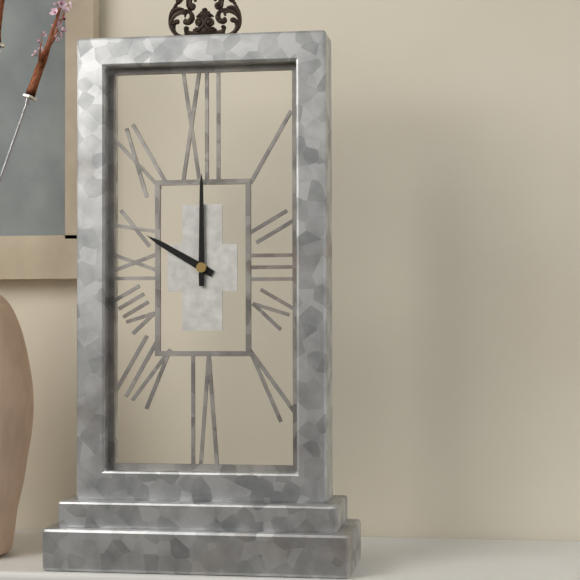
10:00
